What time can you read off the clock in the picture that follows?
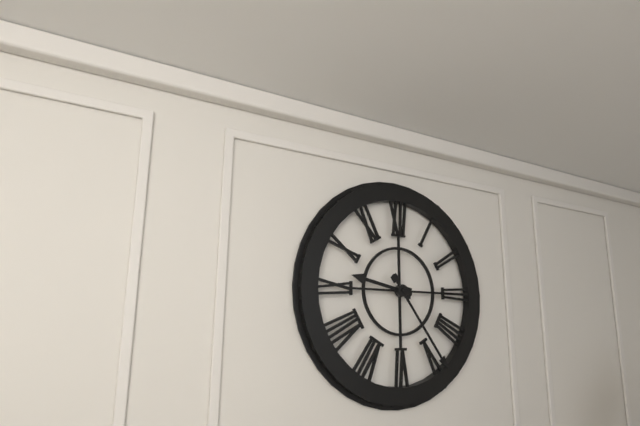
9:24
